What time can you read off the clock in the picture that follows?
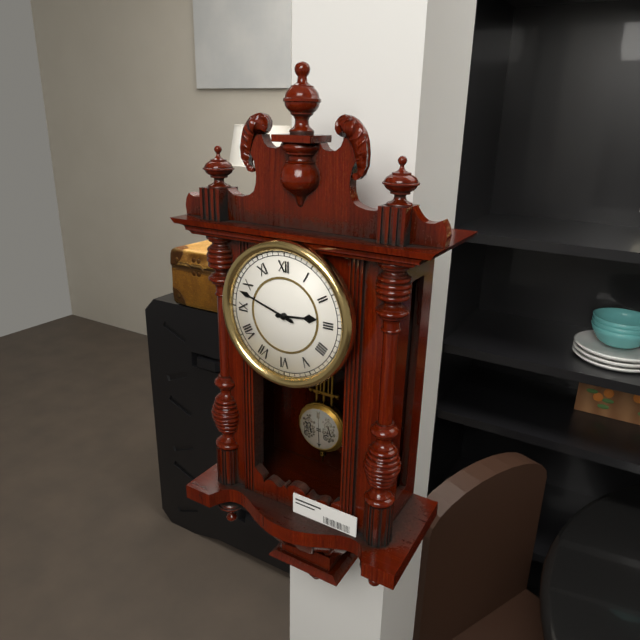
2:48
